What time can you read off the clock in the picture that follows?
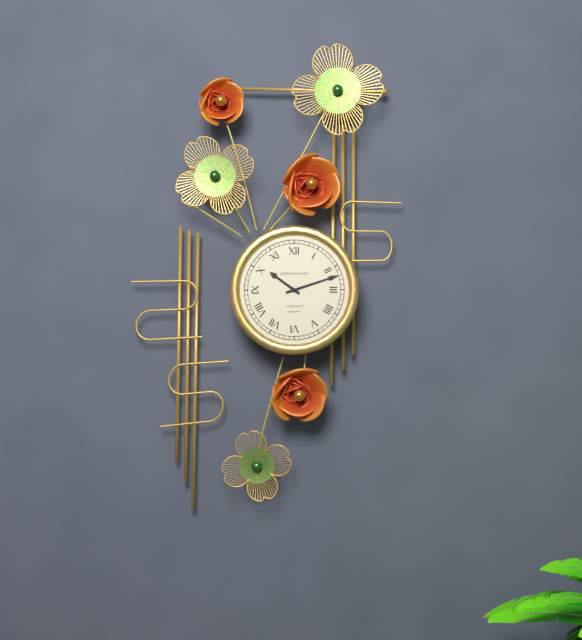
10:12
